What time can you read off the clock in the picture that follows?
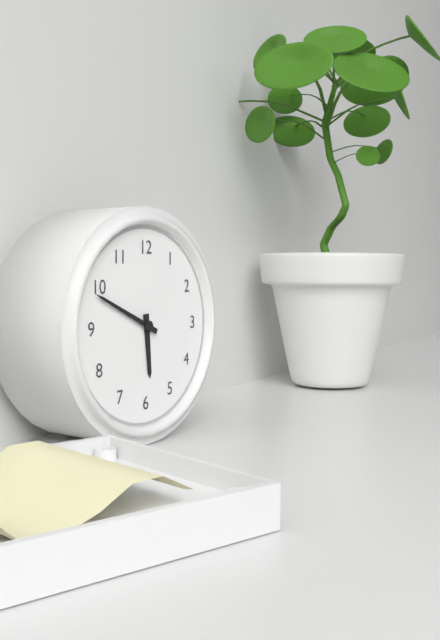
5:49
